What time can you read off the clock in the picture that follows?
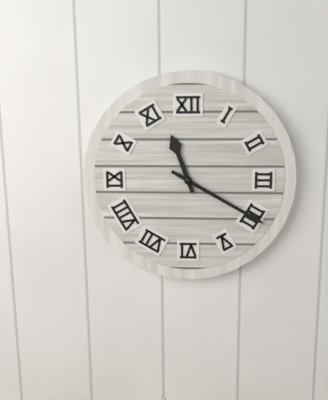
11:20
